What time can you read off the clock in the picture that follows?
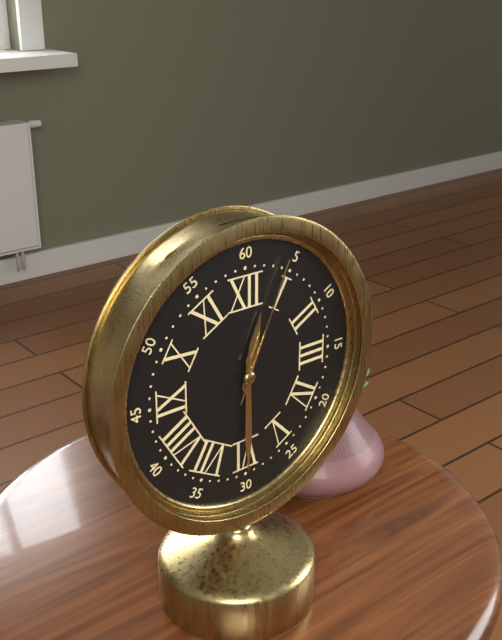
12:30:04
